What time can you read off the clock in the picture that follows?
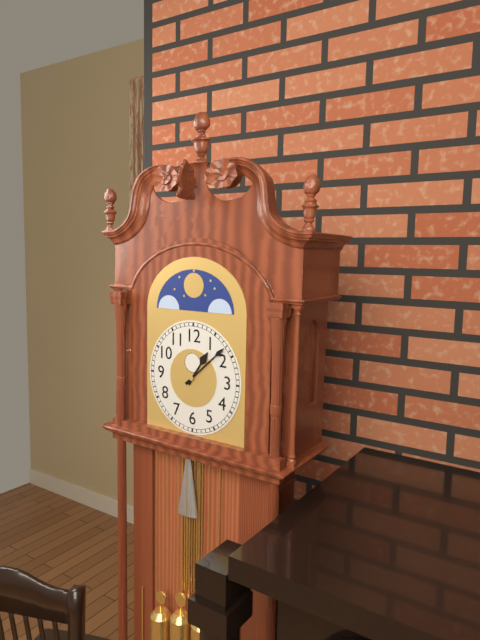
1:08
